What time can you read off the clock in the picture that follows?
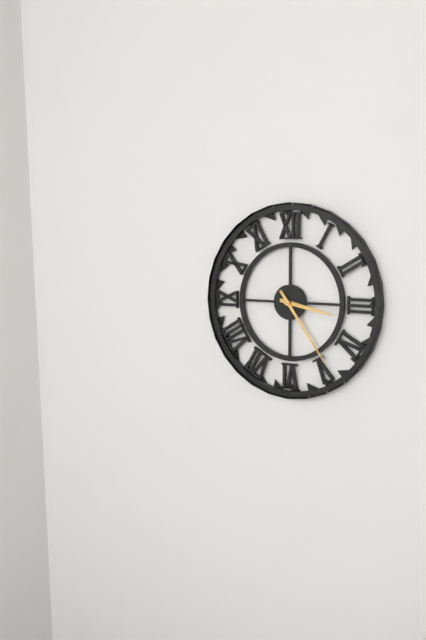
3:24
